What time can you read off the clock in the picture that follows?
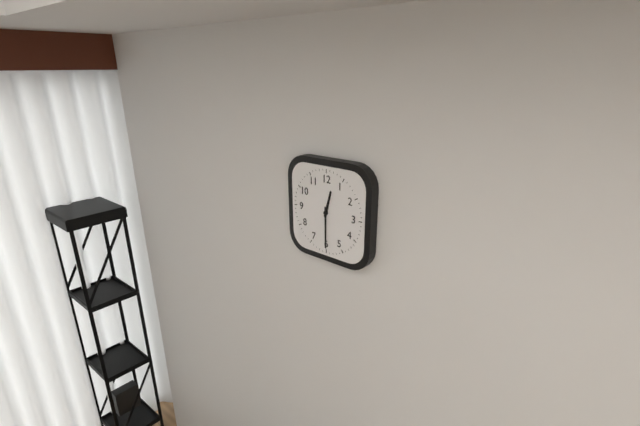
12:30
